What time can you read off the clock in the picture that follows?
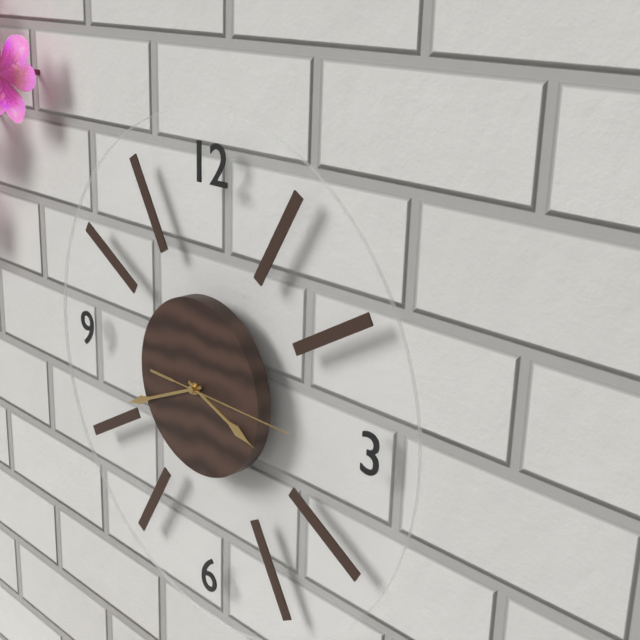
3:41:15
